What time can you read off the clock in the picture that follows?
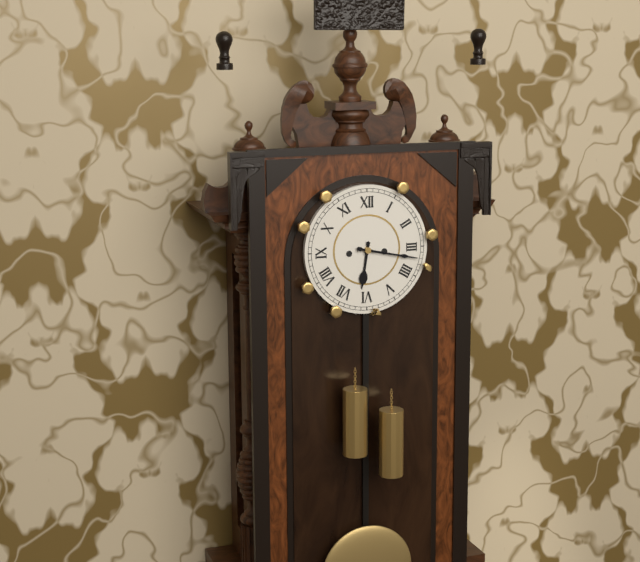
6:17
